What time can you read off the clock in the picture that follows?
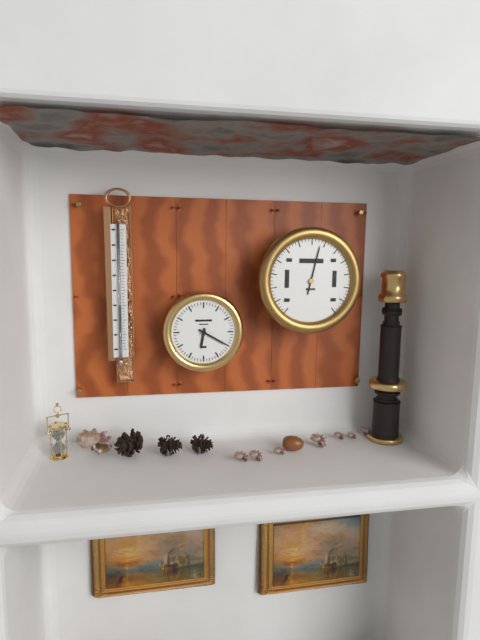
6:20
